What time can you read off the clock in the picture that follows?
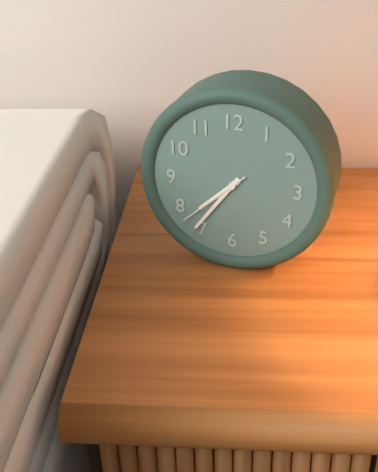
7:36:38
